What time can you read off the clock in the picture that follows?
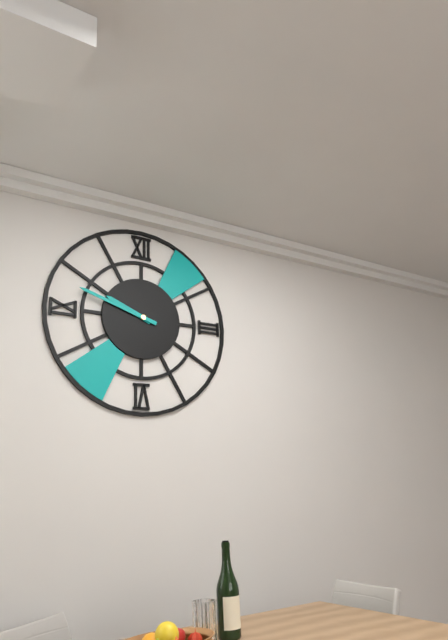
9:48
